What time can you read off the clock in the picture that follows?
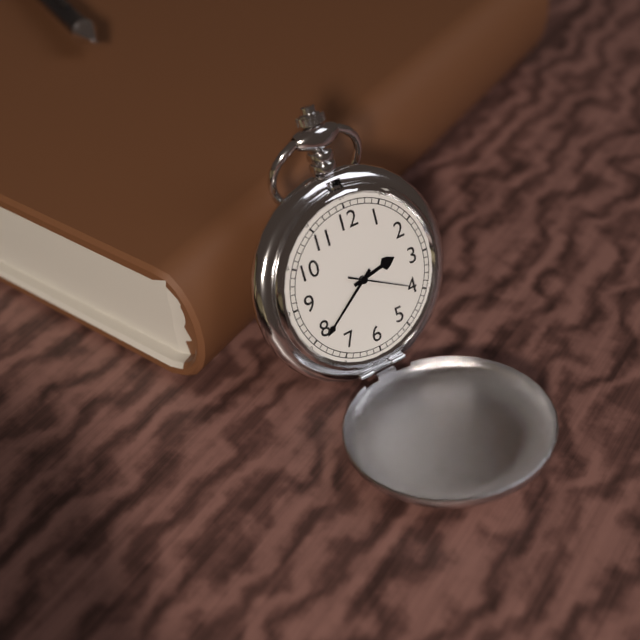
2:39:20
